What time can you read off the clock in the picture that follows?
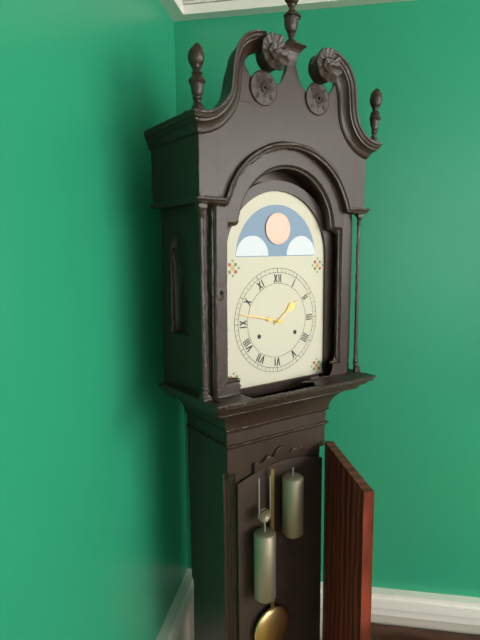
1:47
